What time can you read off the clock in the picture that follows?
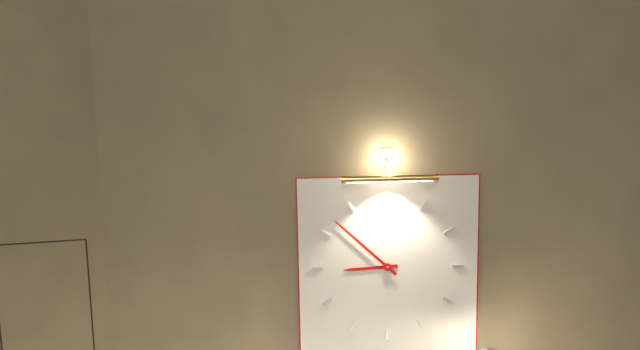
8:52
